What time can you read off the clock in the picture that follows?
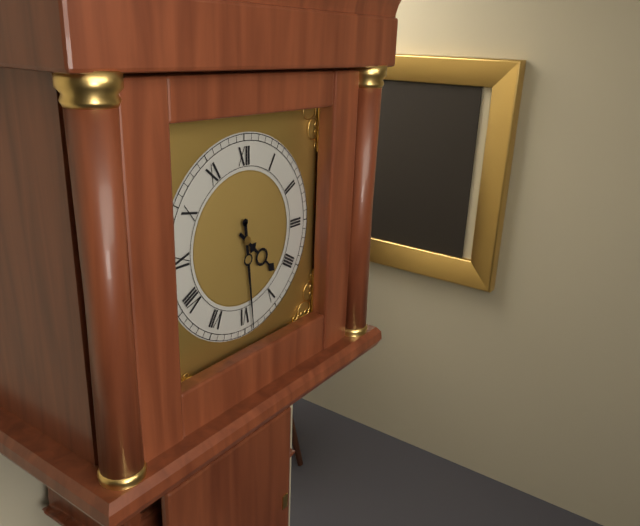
4:29
